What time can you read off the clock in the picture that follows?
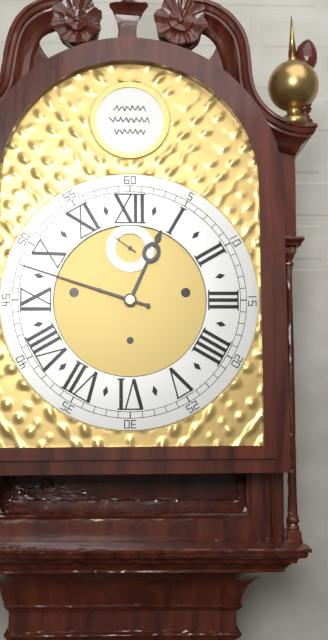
12:48
